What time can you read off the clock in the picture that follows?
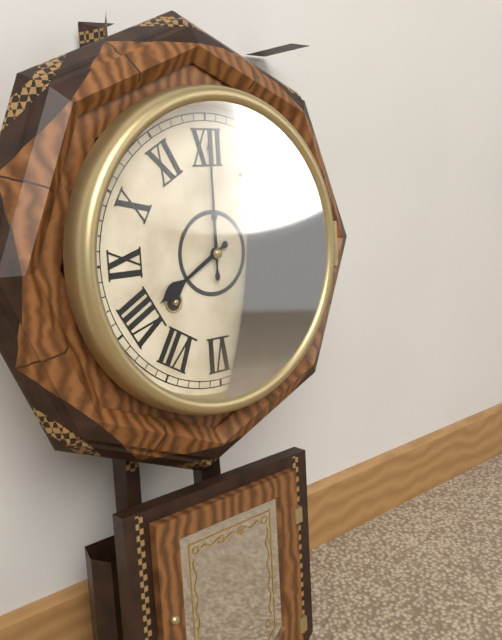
8:00
